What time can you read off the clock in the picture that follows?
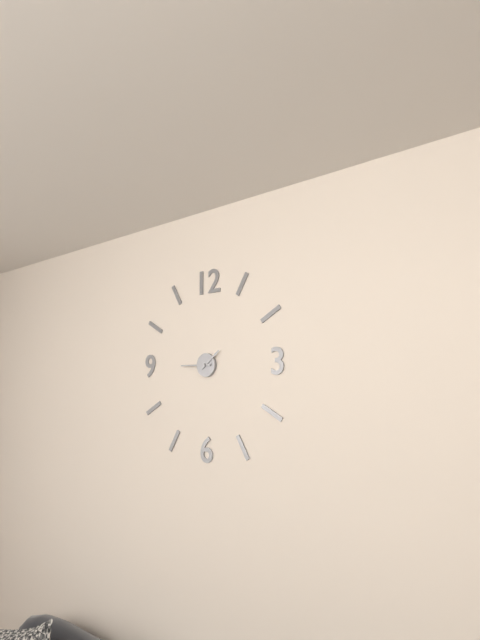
1:45
